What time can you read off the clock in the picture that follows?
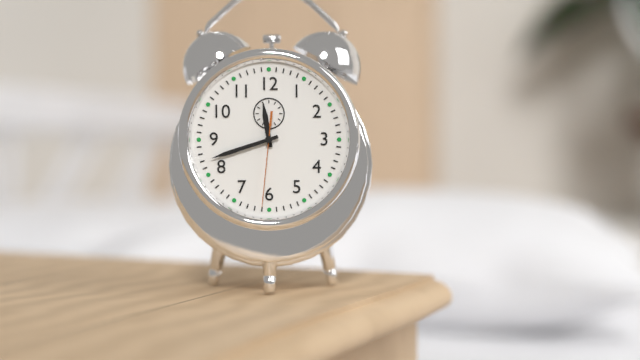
11:42:31
